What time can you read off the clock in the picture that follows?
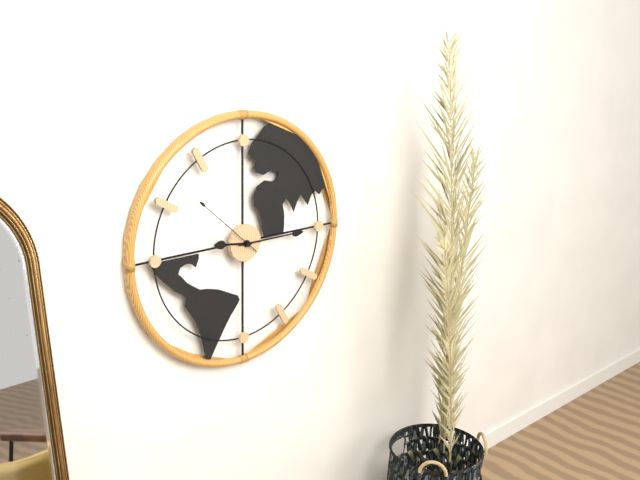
9:15:52
